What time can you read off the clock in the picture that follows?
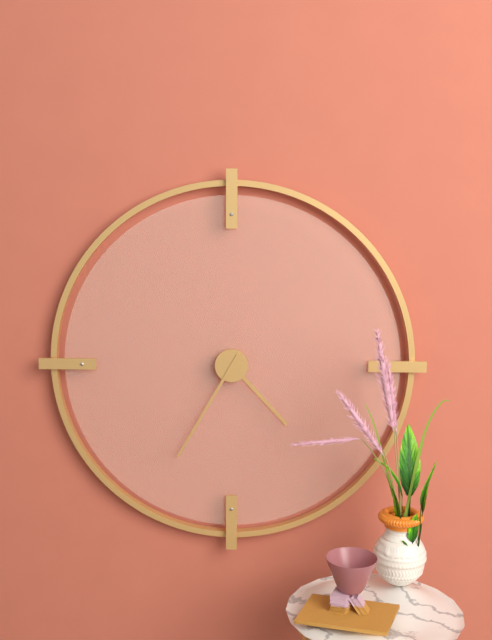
4:35
